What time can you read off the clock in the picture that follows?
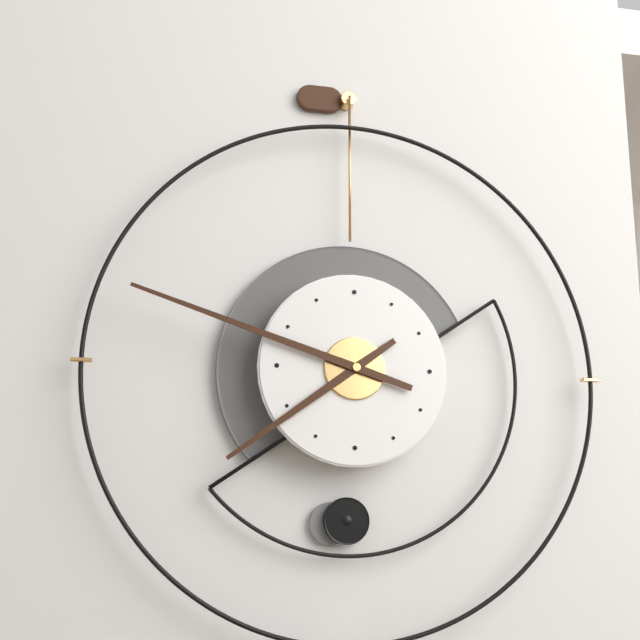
7:48
